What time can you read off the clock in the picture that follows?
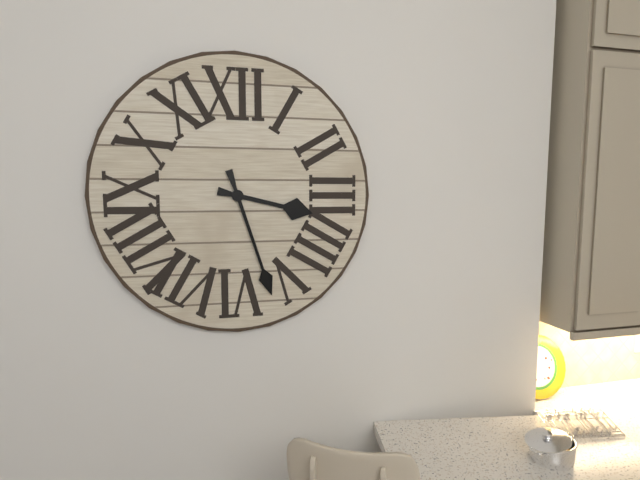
3:27
